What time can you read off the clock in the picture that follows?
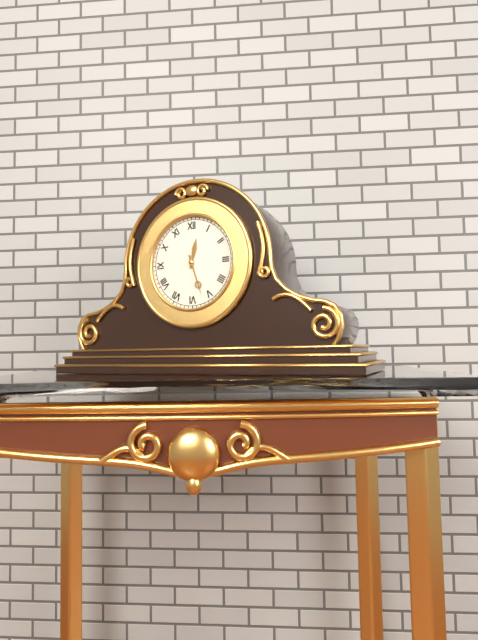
12:27
